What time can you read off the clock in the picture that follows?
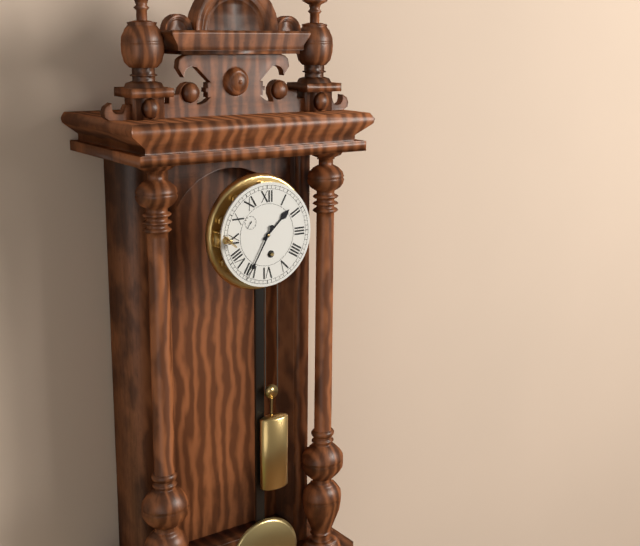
1:35
